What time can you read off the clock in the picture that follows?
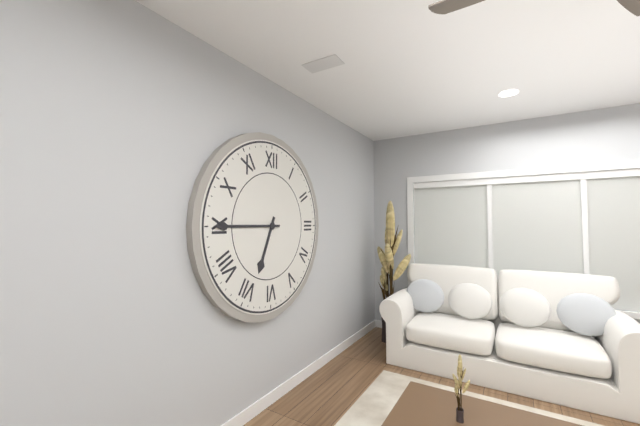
6:45
